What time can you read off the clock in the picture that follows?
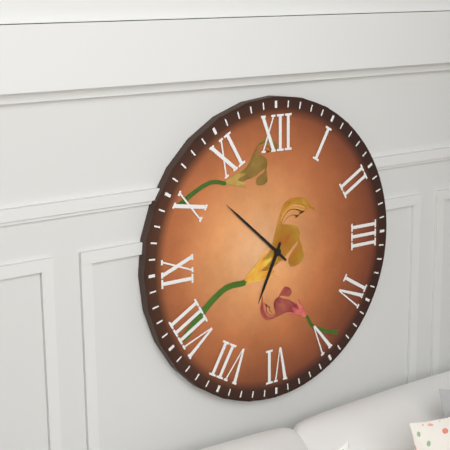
6:52
